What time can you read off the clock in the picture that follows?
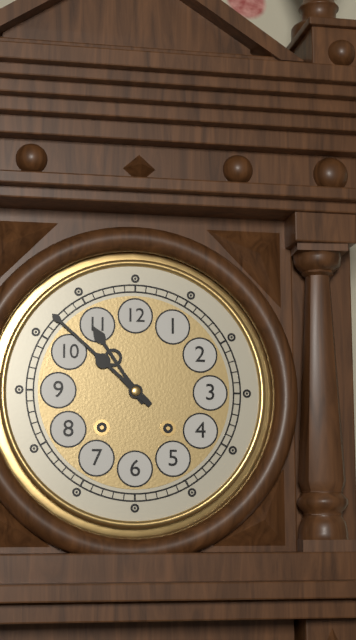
10:52
